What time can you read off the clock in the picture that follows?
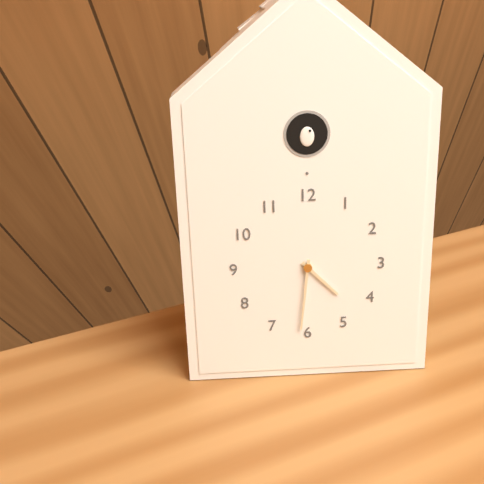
4:31
